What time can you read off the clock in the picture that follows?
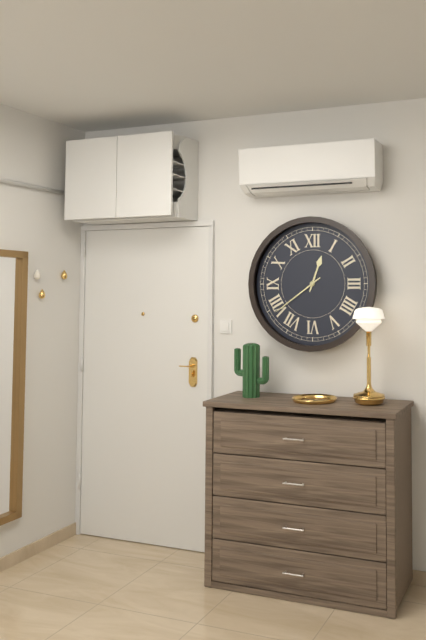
12:39
